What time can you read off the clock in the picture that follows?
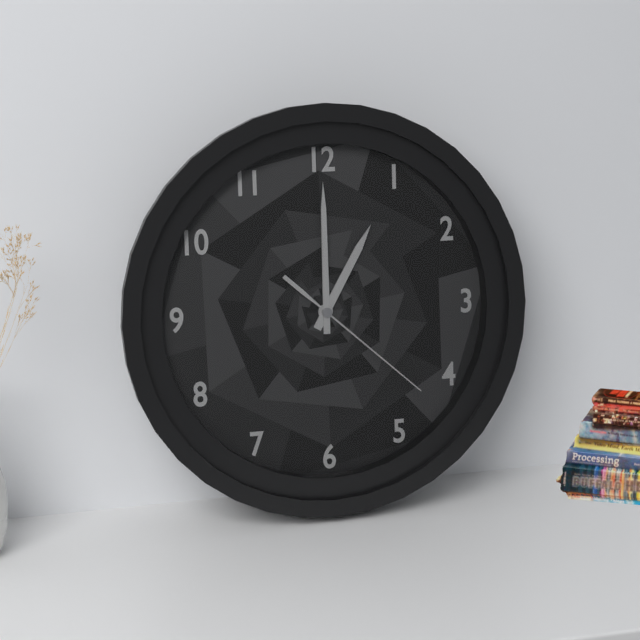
1:00:22
